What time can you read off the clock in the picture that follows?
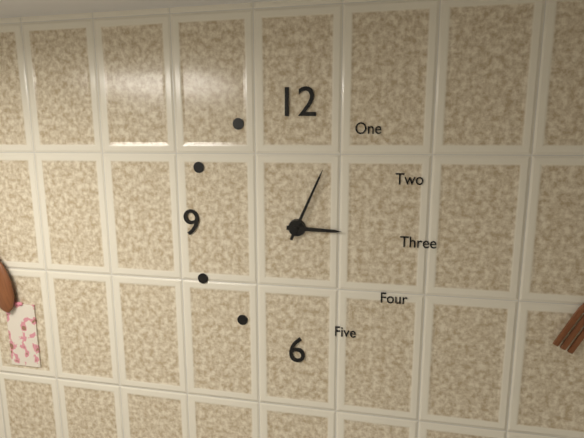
3:04
